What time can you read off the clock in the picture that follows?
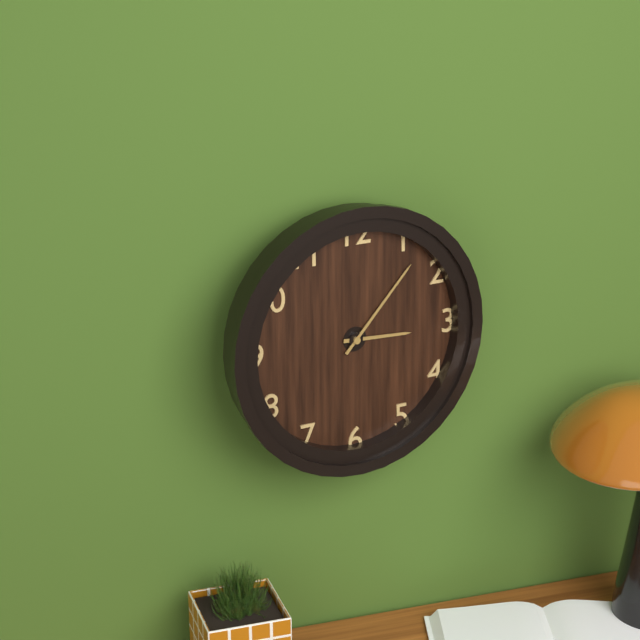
3:07
